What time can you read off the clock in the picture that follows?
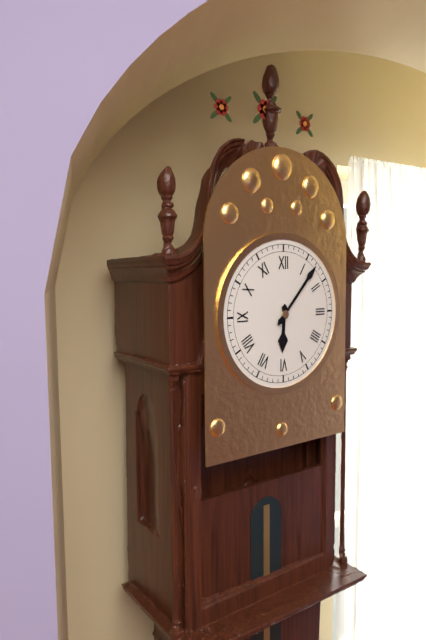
6:07
